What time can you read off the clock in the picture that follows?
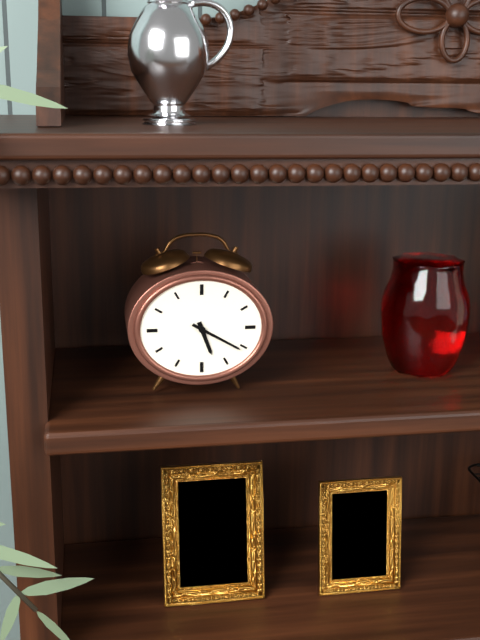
5:20
